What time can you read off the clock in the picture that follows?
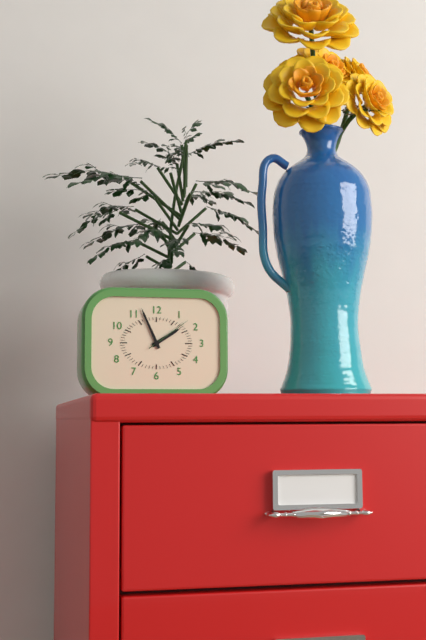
1:56:09
